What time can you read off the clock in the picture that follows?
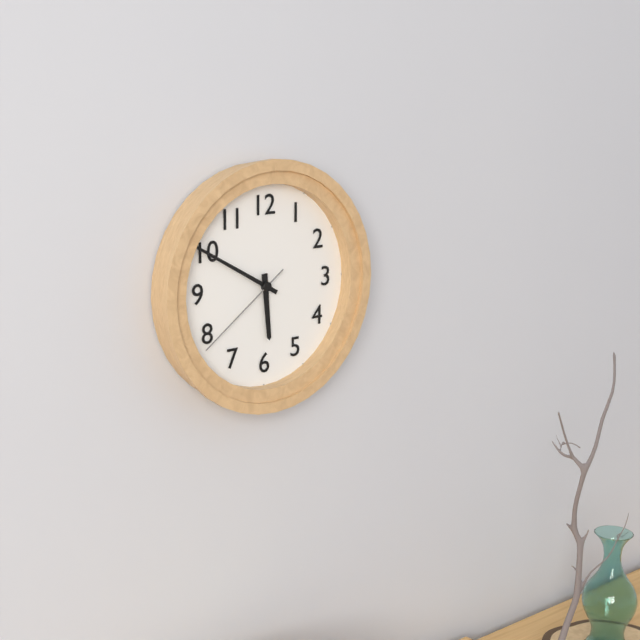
5:50:39
